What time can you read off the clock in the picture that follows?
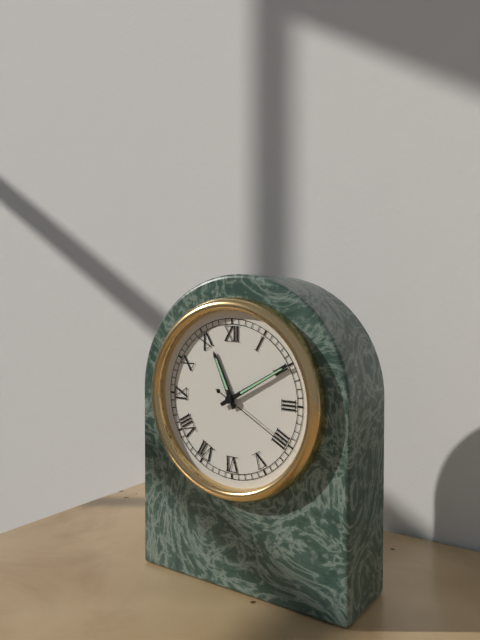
11:10:20
